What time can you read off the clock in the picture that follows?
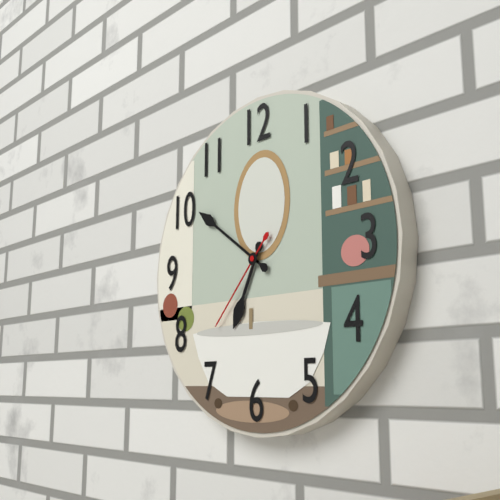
6:51:37
